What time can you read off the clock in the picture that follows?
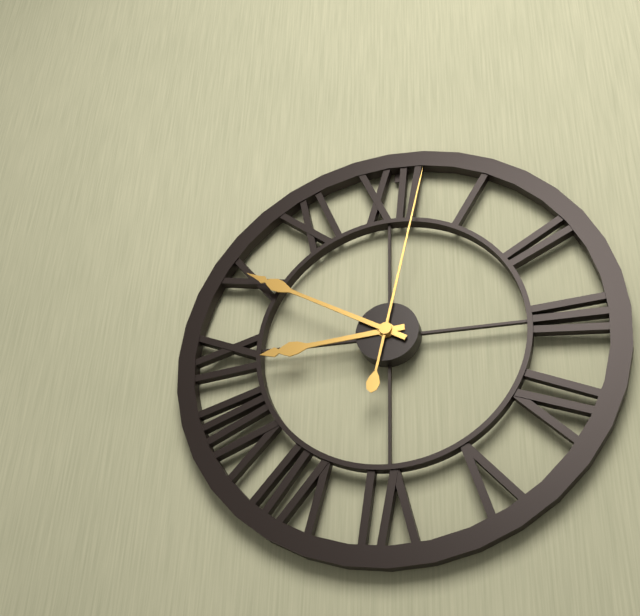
8:50:02
